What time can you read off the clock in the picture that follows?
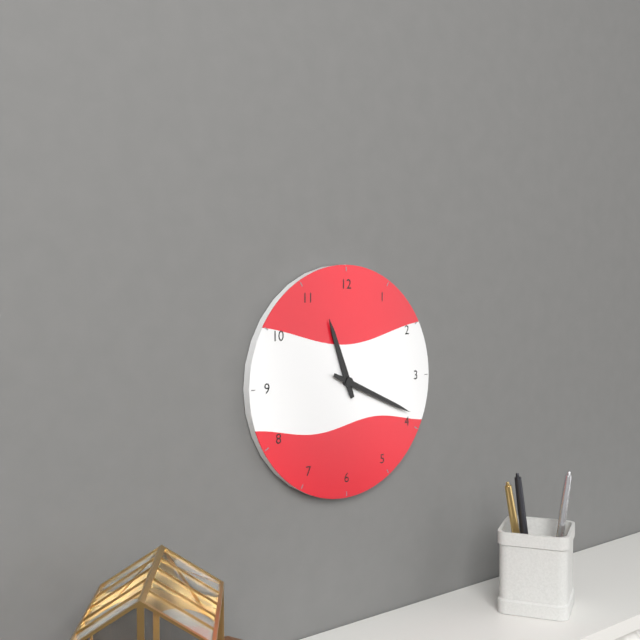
11:19
